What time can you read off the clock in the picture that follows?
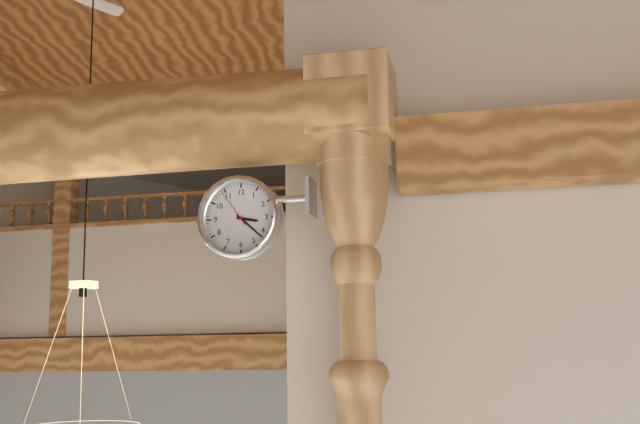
3:22
